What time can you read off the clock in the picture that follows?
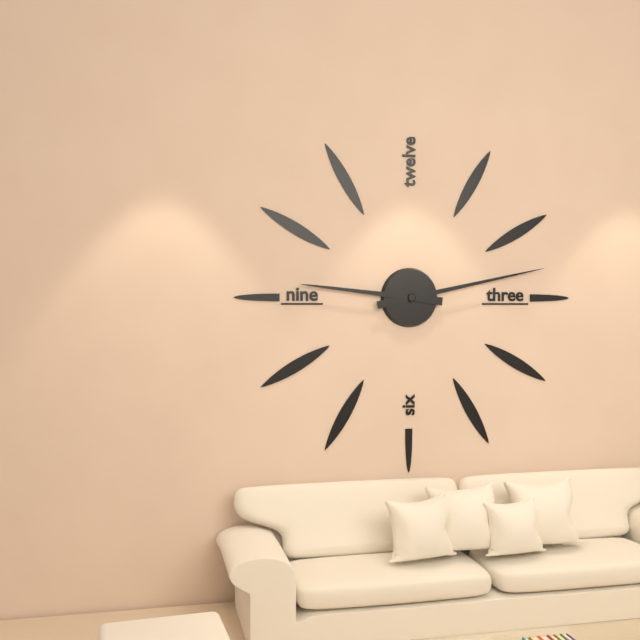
9:13
